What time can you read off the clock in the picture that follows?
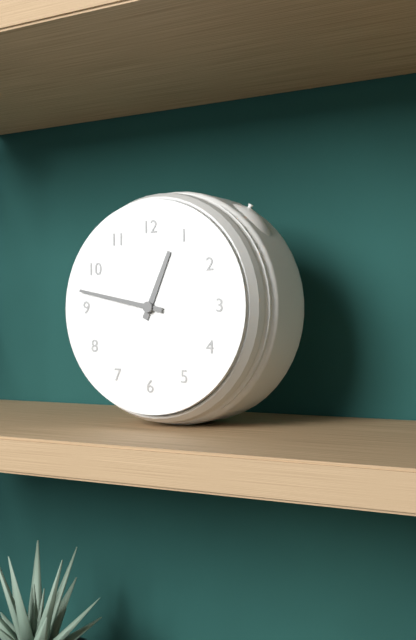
12:47
